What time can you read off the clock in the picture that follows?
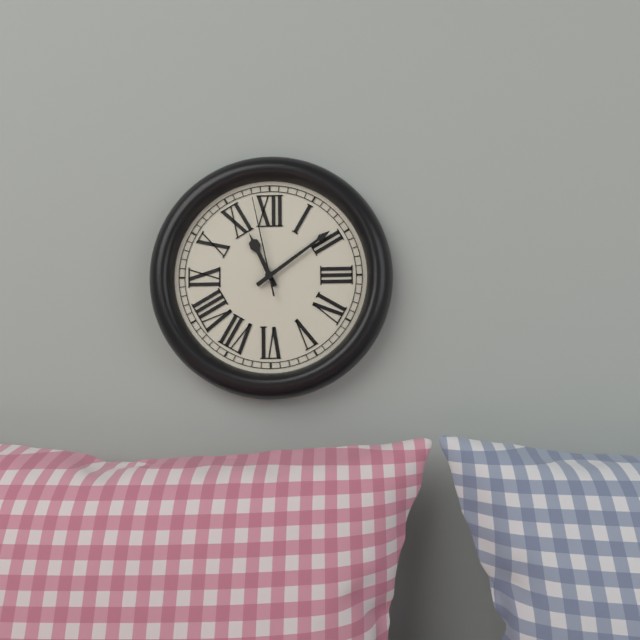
11:09:58
